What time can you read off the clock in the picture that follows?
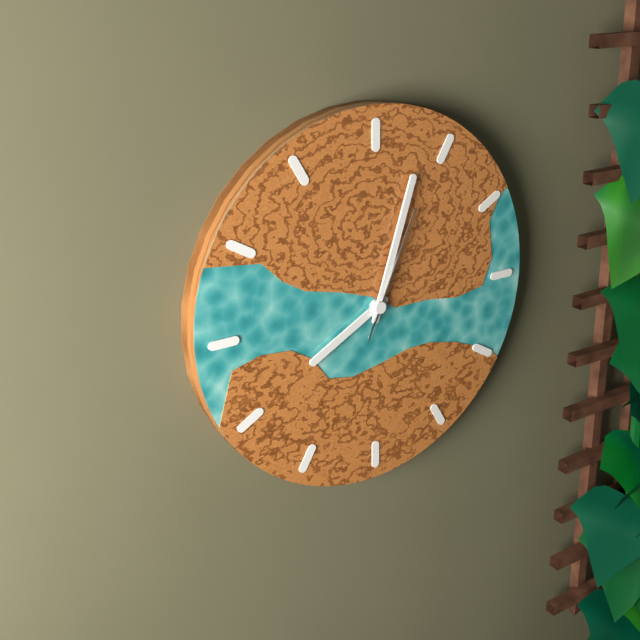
8:03:04
